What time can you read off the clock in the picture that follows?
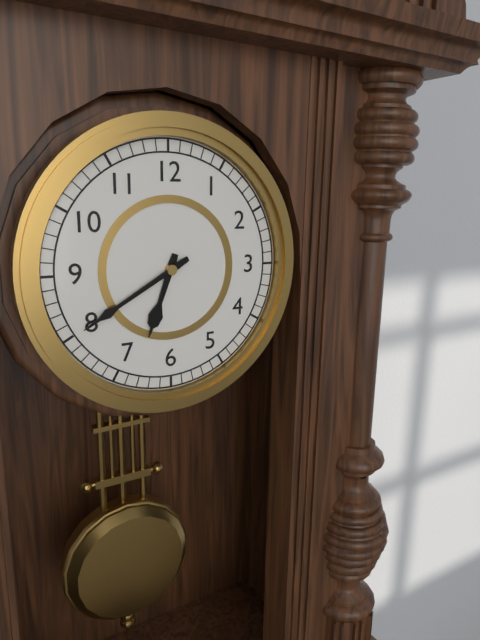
6:40
